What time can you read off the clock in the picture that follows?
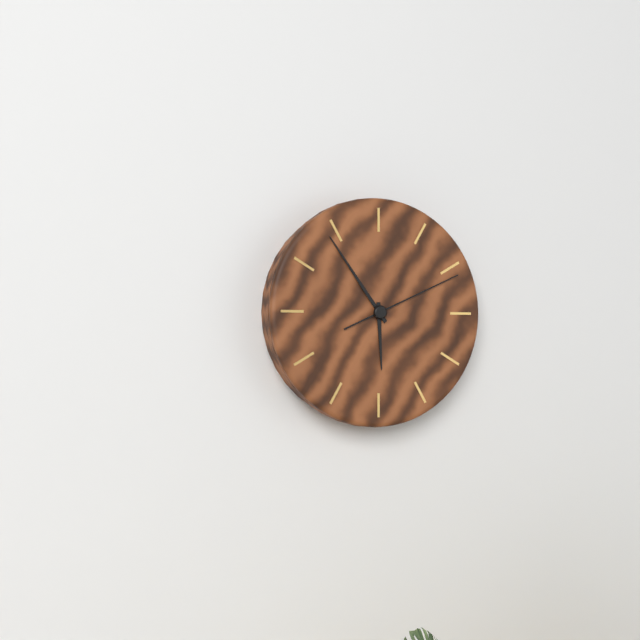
5:54:11
